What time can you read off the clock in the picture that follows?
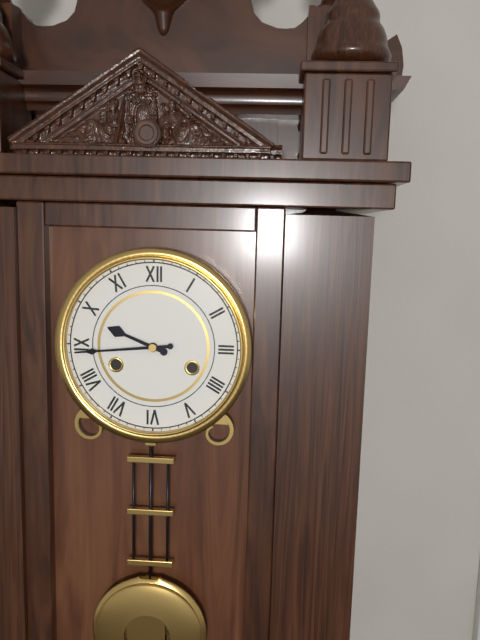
9:44
